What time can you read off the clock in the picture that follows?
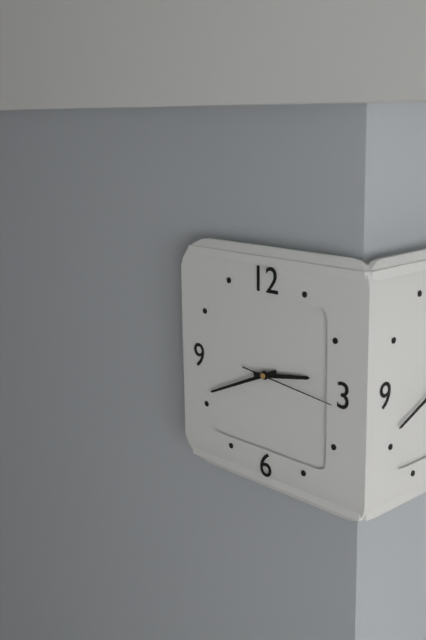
2:41:16
